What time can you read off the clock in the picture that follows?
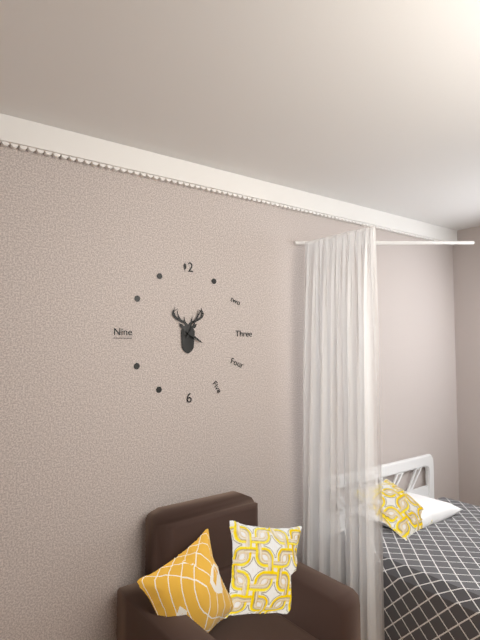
4:05
